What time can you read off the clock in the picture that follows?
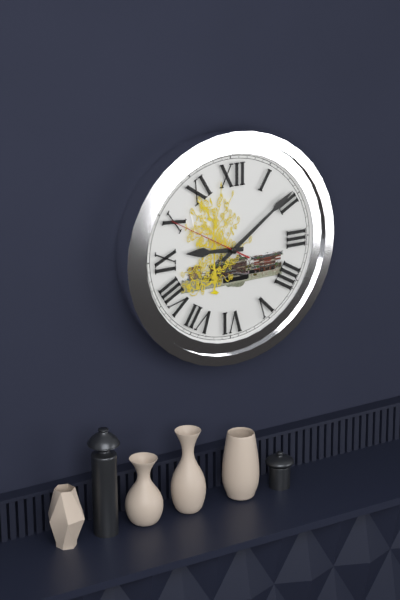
9:09:50
